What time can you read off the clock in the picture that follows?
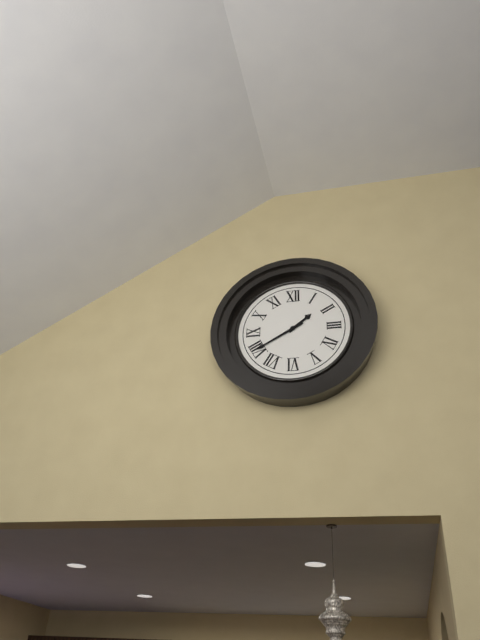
1:40
